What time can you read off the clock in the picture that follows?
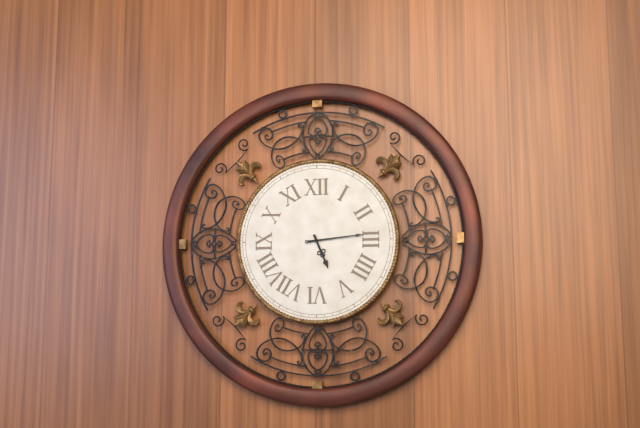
5:14
